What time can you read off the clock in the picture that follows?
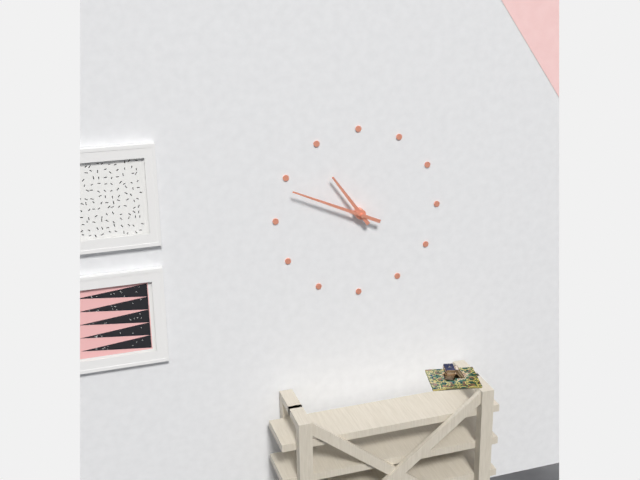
10:49
